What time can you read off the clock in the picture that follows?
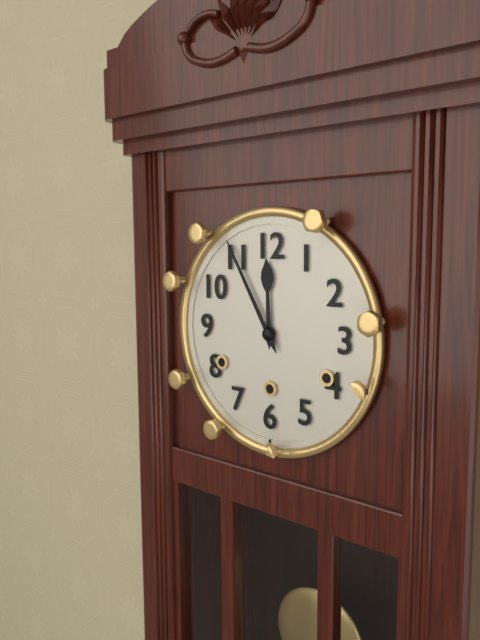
11:55
